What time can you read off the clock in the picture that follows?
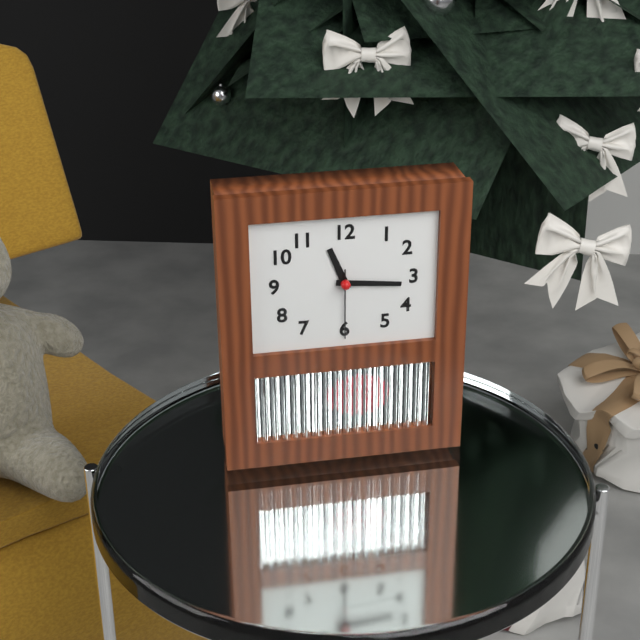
11:16:30
